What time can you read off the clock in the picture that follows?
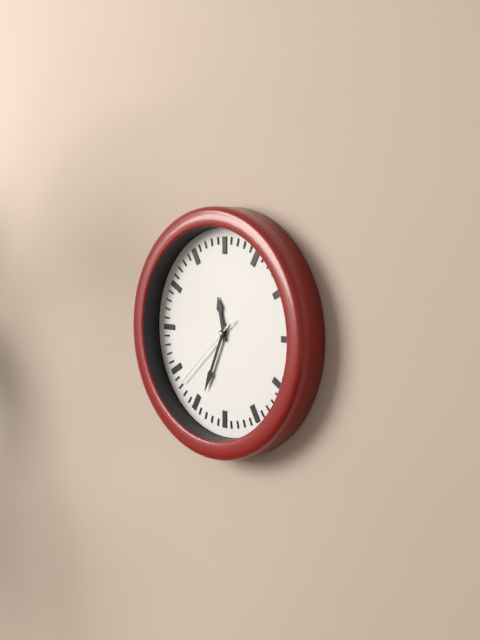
11:34:38
